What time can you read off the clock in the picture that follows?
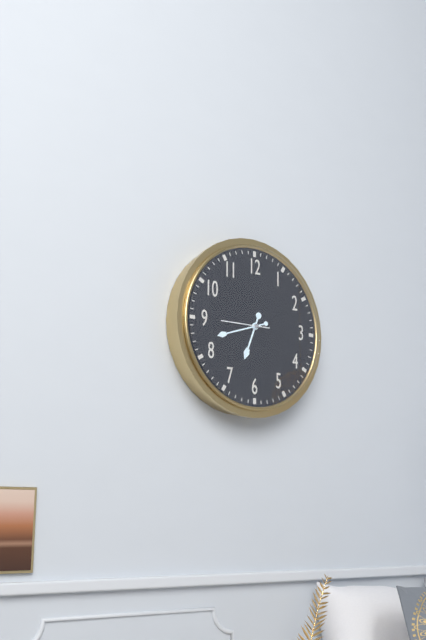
6:42
